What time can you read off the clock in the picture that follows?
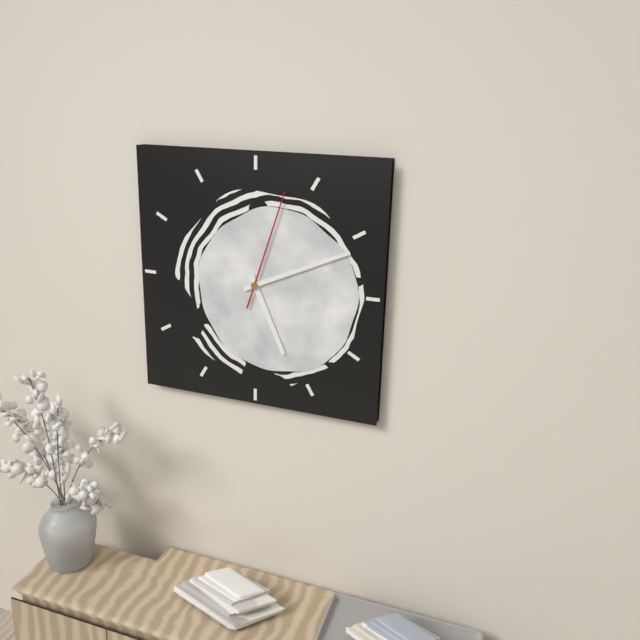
5:11:03
